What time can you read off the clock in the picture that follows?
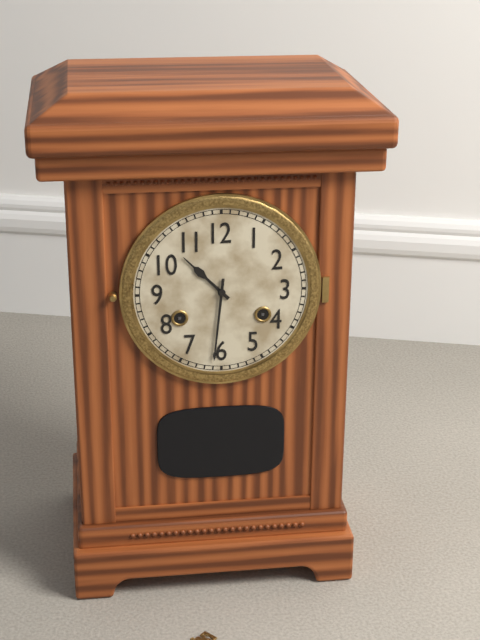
10:31
